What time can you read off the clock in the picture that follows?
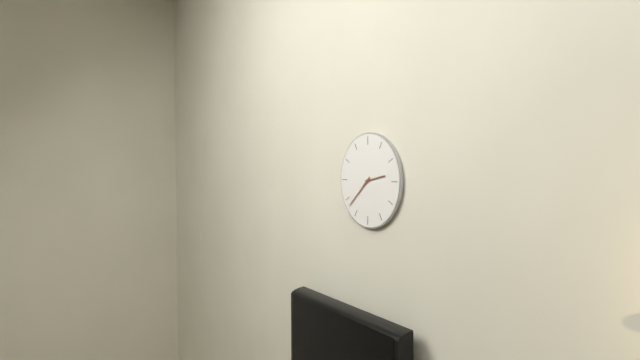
2:38
